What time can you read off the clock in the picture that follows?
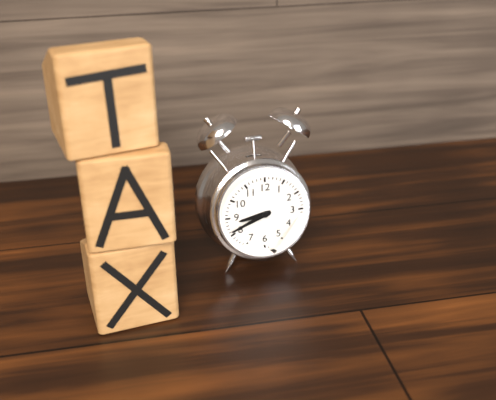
8:41
